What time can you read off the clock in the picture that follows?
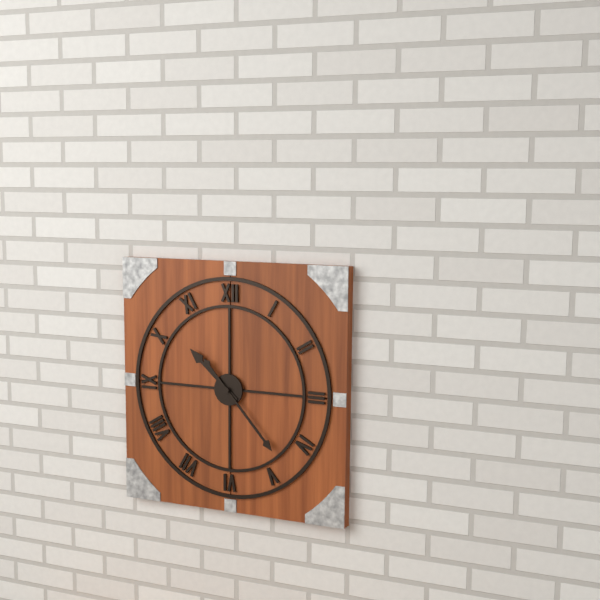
10:23
